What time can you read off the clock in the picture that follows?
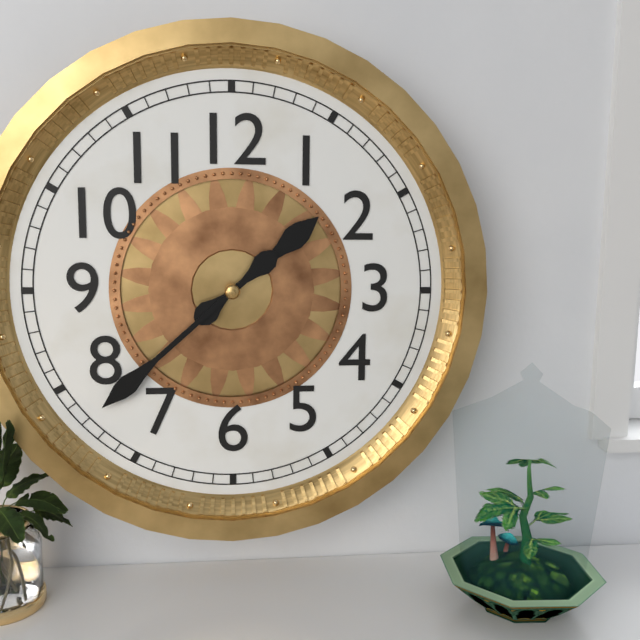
1:38
